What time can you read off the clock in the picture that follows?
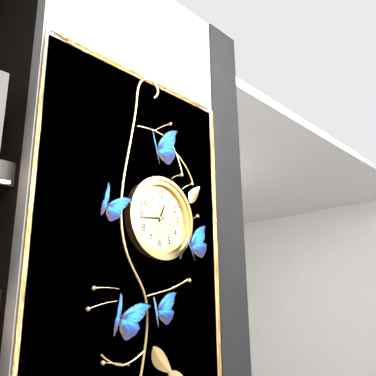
12:44
